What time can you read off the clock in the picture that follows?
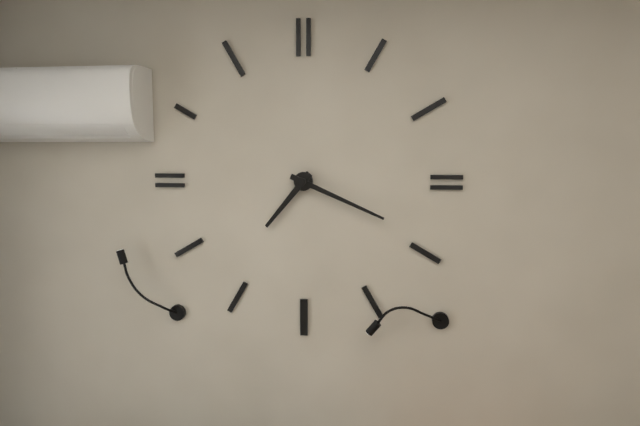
7:19
